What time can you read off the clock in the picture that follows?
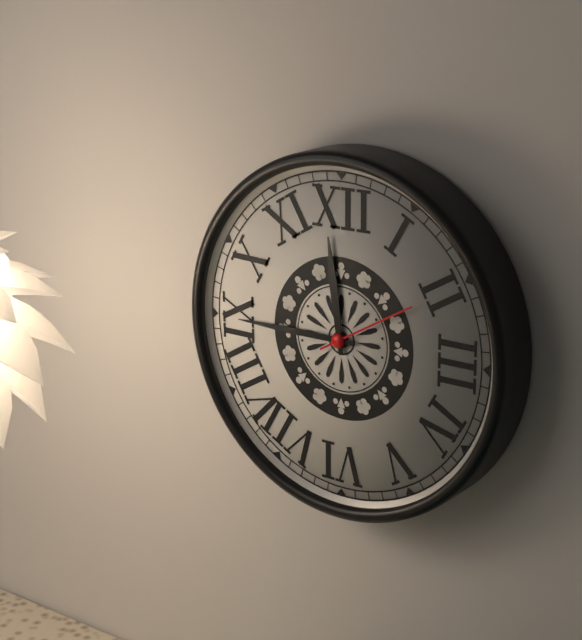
11:45:10
